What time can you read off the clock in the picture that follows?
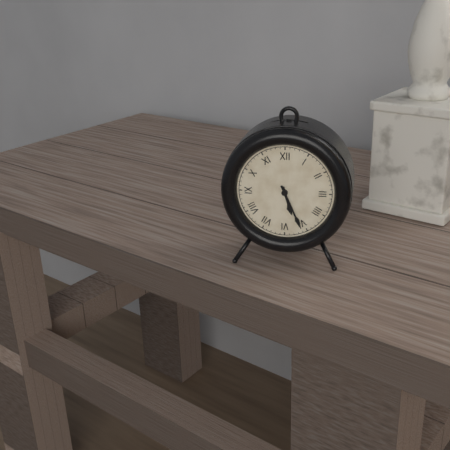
5:26
